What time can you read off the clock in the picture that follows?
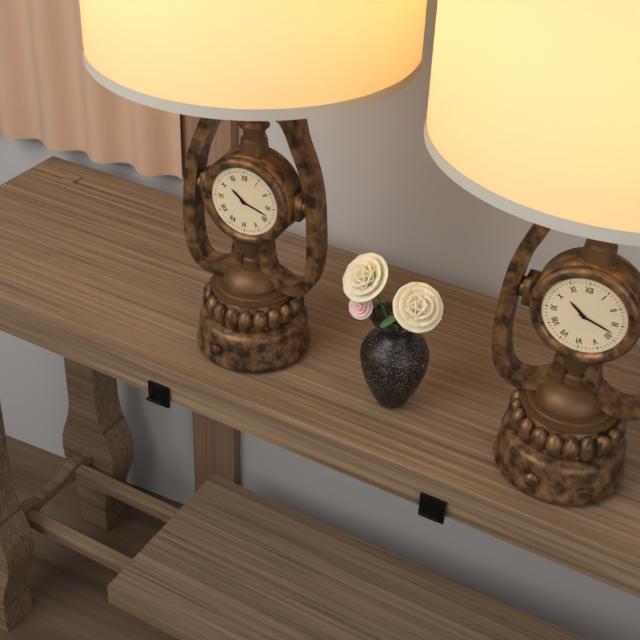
10:18
